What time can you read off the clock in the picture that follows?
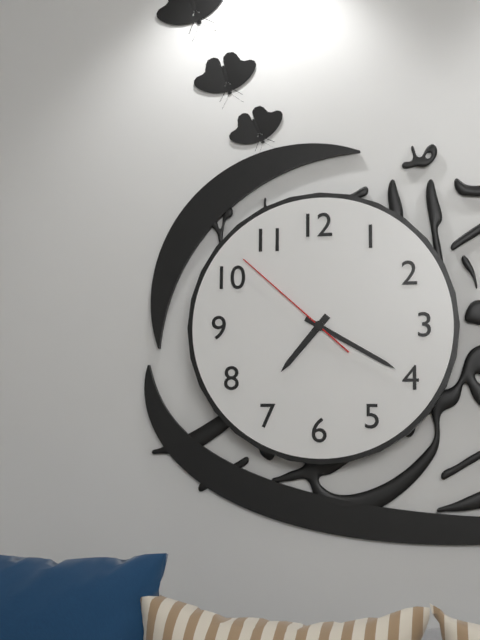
7:20:52
